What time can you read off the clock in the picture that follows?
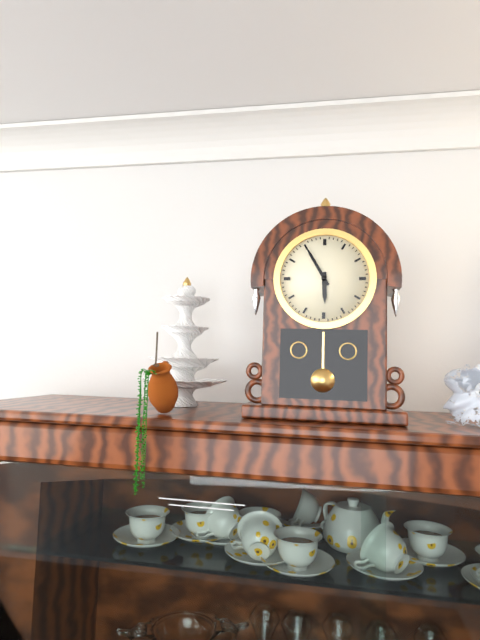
5:55
